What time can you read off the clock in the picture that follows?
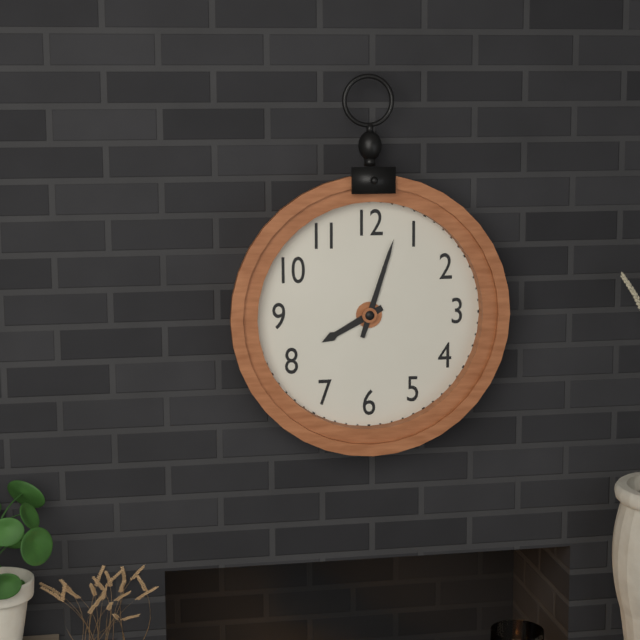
8:03
